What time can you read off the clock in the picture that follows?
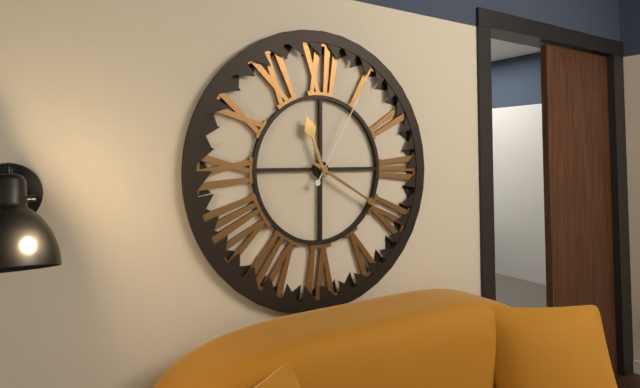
11:20:05
